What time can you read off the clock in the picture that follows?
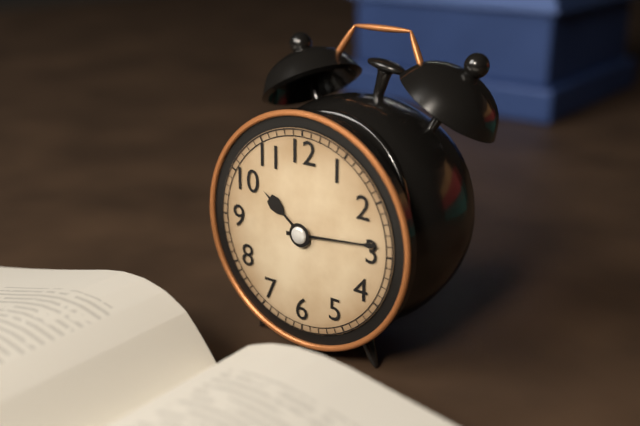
10:14
